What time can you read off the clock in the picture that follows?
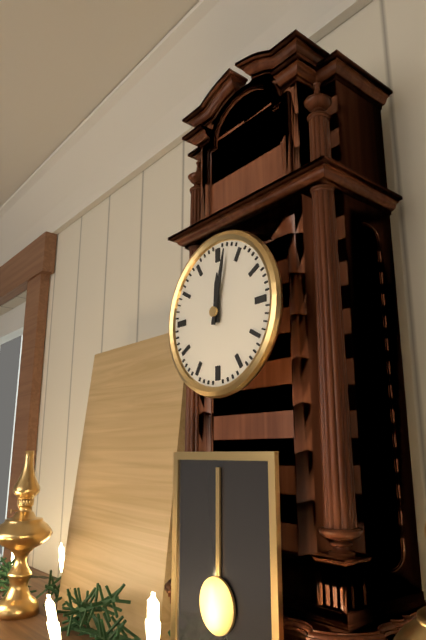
12:02
